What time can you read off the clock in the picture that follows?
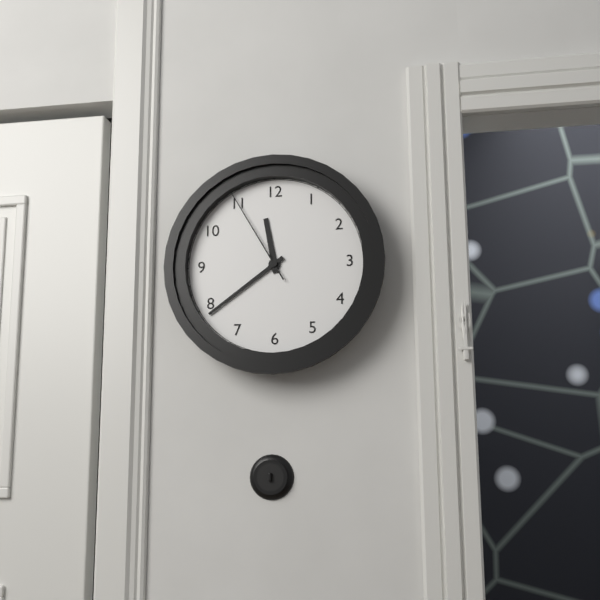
11:39:55
